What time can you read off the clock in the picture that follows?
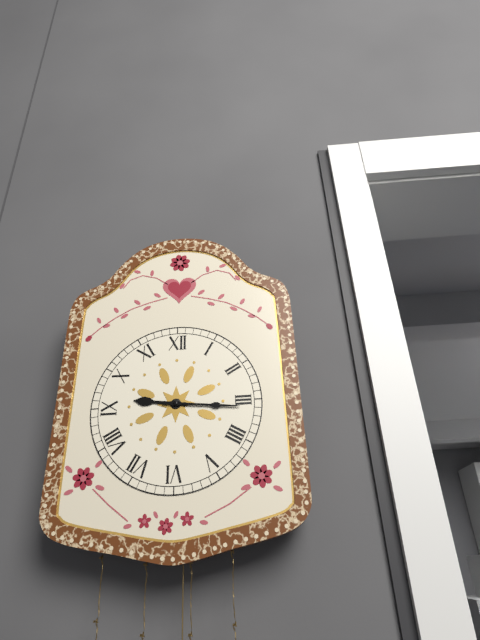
9:16
